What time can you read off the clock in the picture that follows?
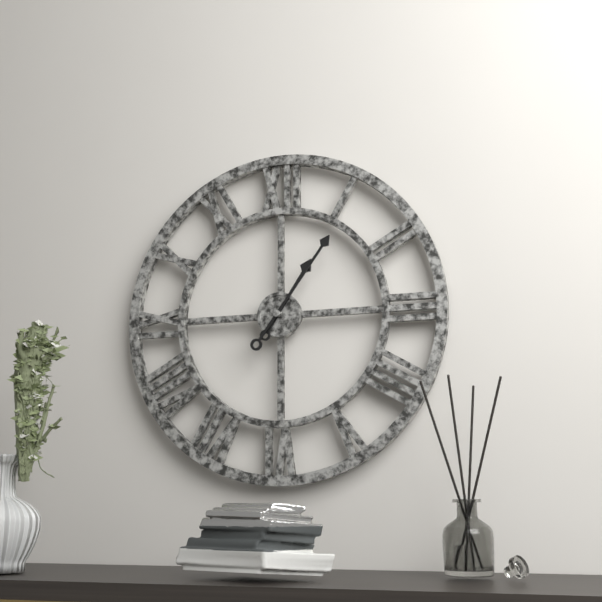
1:06
